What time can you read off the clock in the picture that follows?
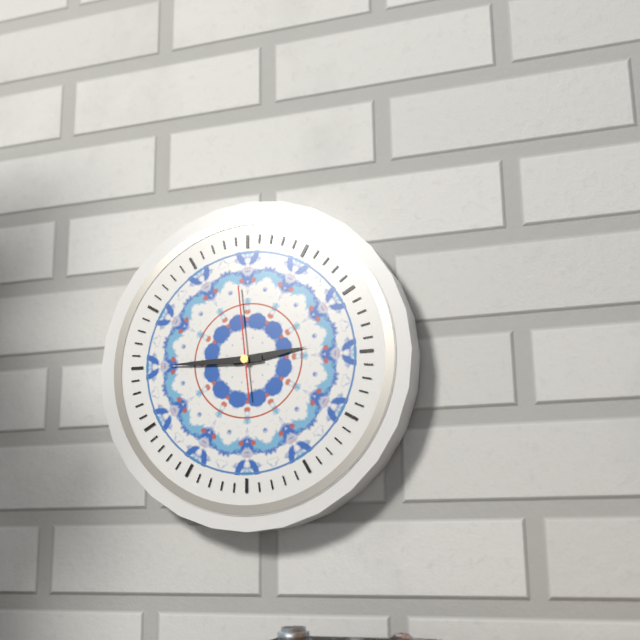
2:45:59
